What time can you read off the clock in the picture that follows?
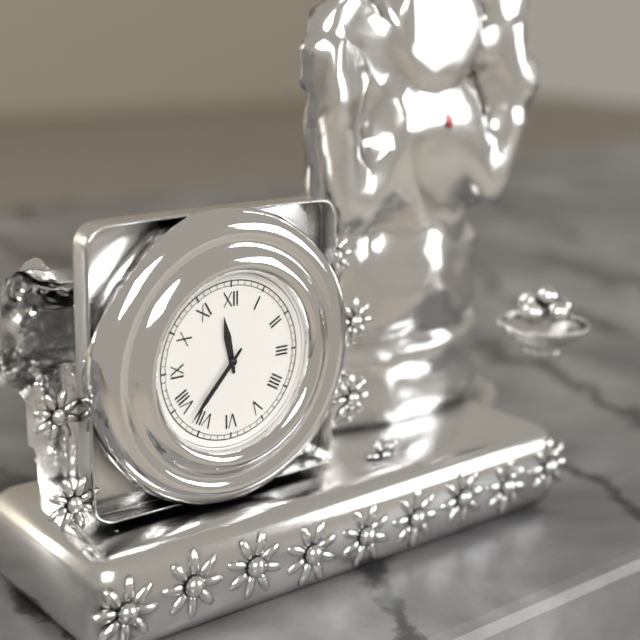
11:37
